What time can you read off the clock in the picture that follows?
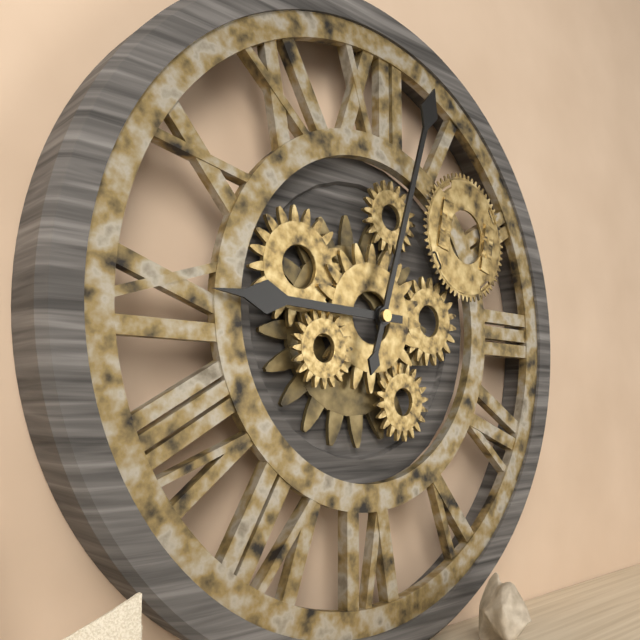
9:03
